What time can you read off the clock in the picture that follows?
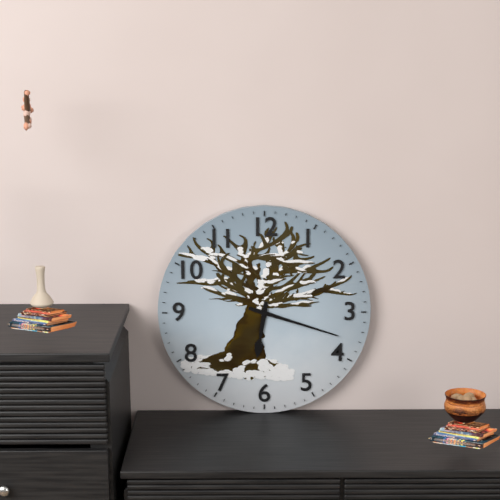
6:18
